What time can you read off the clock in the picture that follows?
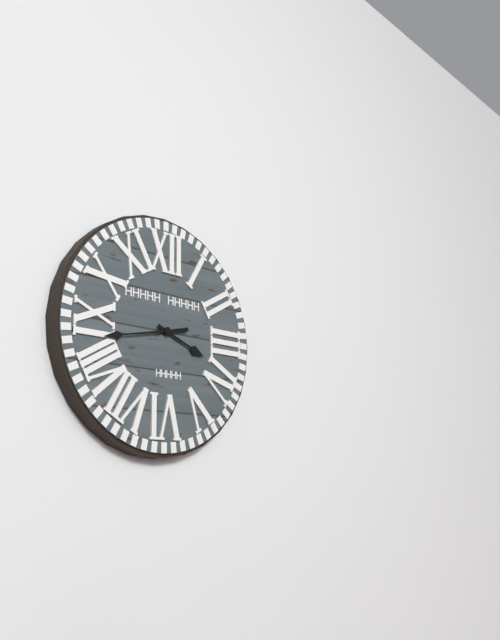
3:43
